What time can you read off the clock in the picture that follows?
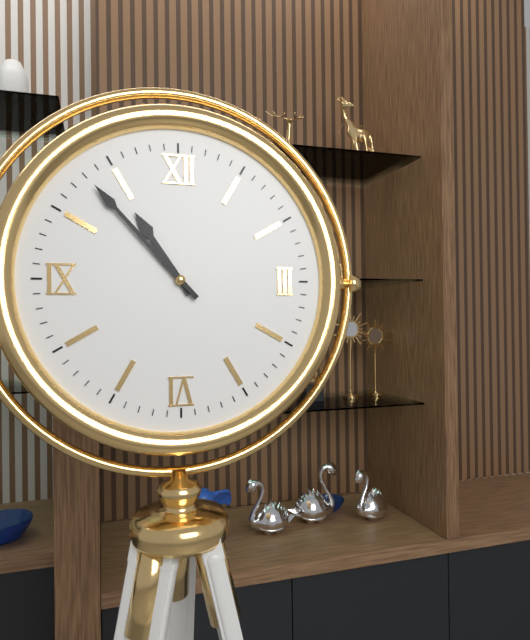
10:53
